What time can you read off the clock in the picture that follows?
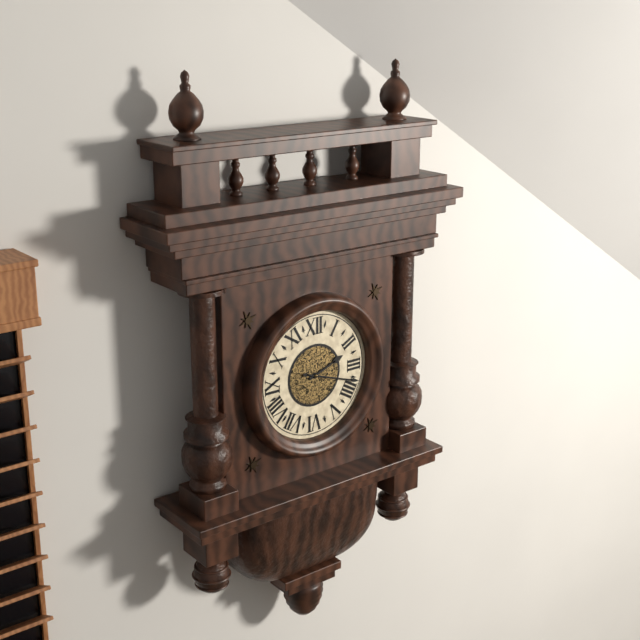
2:18
